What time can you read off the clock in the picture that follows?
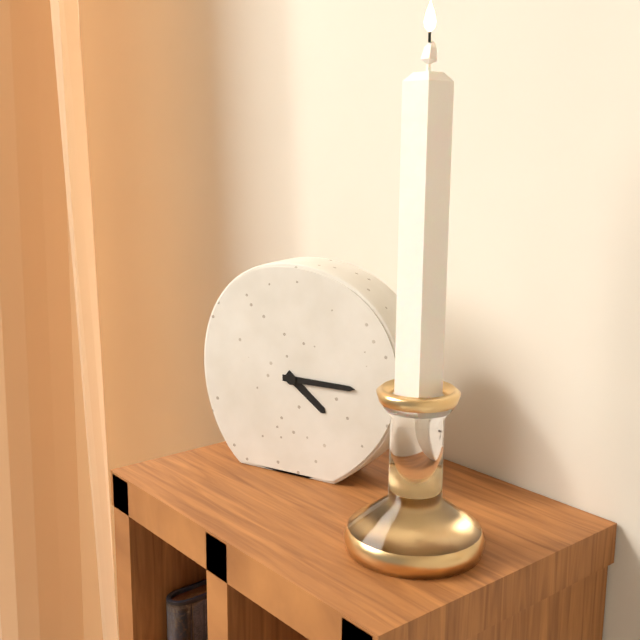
4:15
